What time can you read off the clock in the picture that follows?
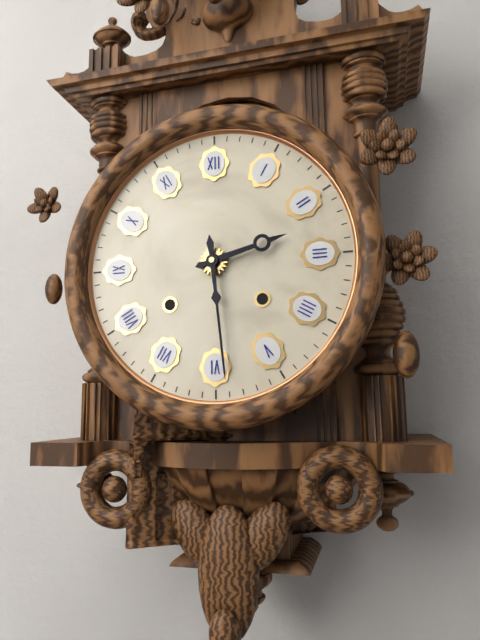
2:29
